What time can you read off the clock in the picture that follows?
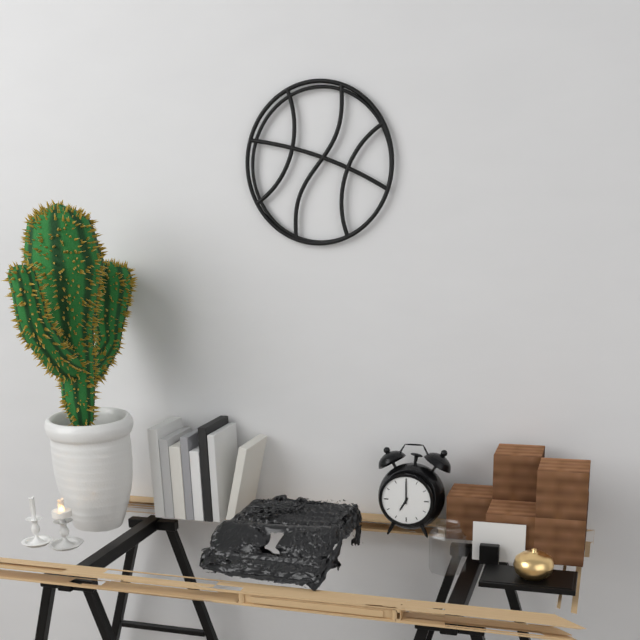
7:00
